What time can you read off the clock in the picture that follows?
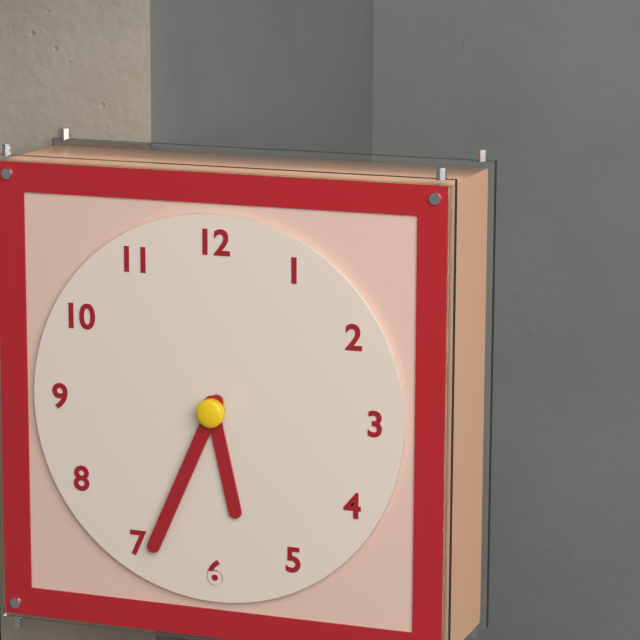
5:34
